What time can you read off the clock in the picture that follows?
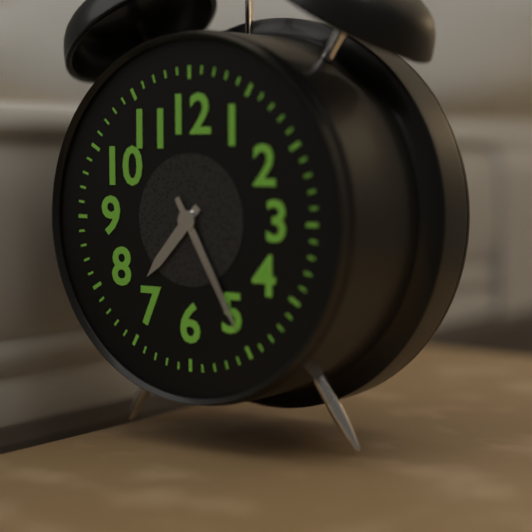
7:25
